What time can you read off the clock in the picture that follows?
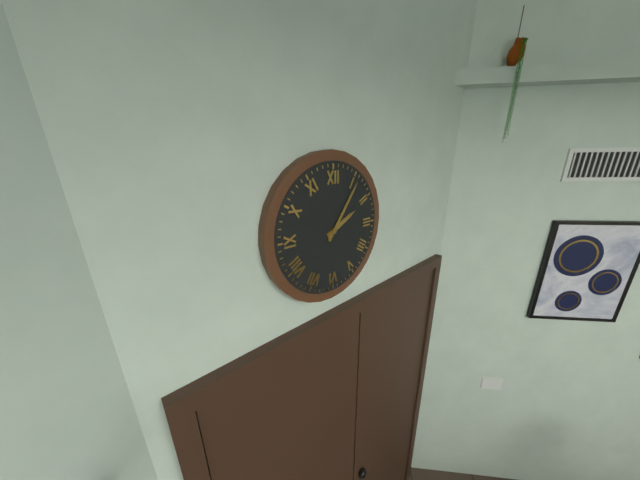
2:06
